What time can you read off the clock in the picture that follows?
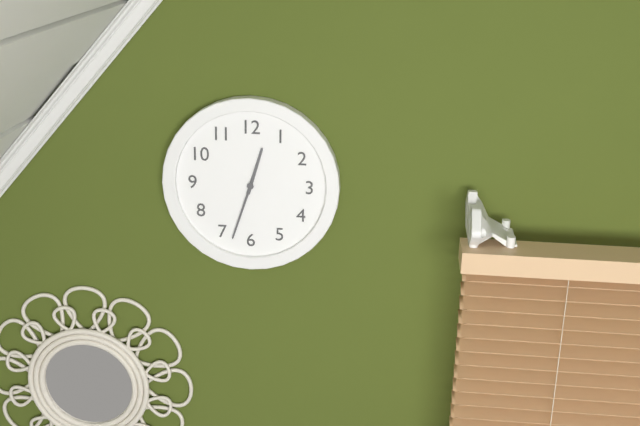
12:33
